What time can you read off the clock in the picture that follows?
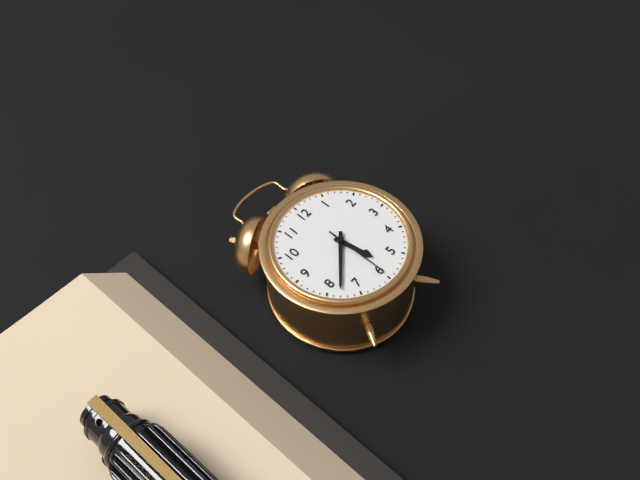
5:38:30
